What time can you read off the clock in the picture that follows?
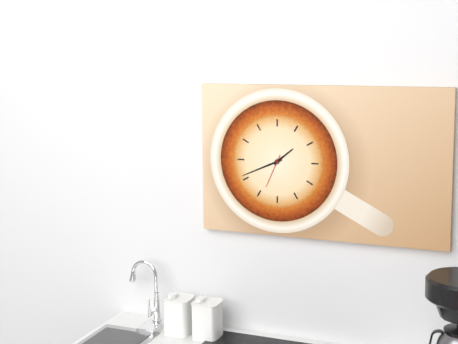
1:41
